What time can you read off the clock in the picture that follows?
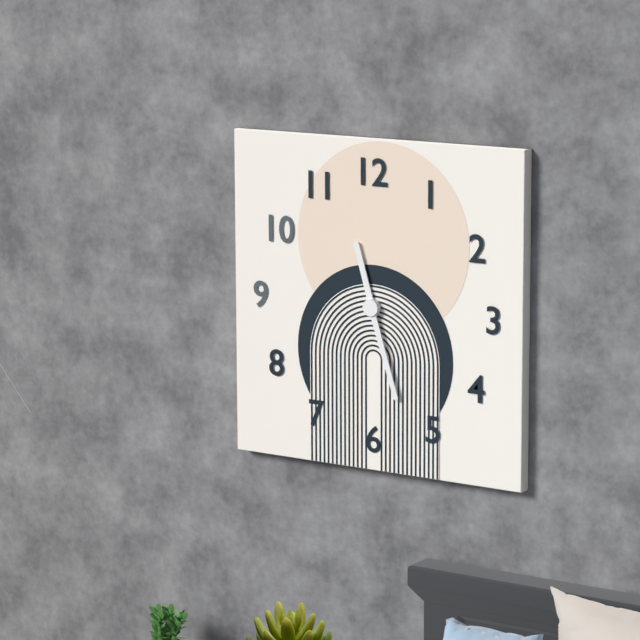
11:27
